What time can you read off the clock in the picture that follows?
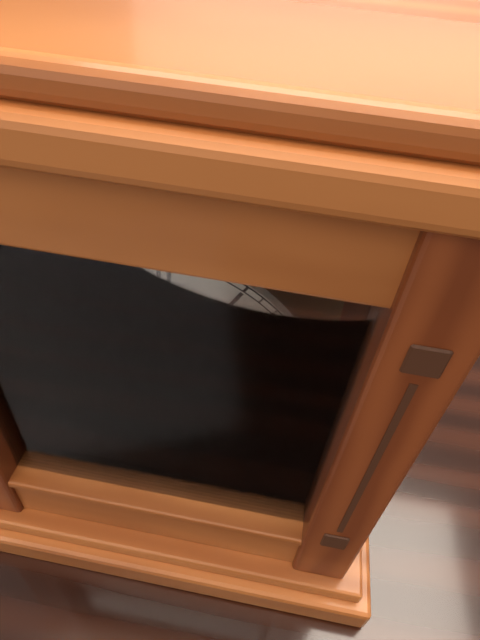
9:49
